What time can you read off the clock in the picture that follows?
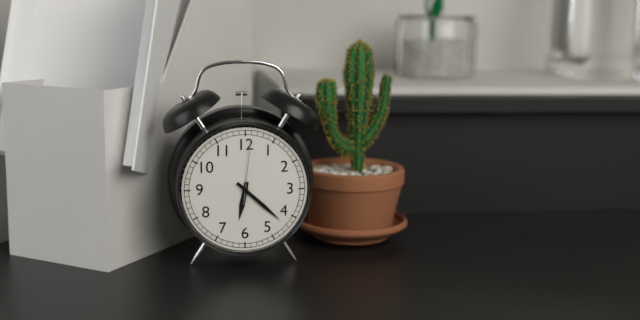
6:22:01
